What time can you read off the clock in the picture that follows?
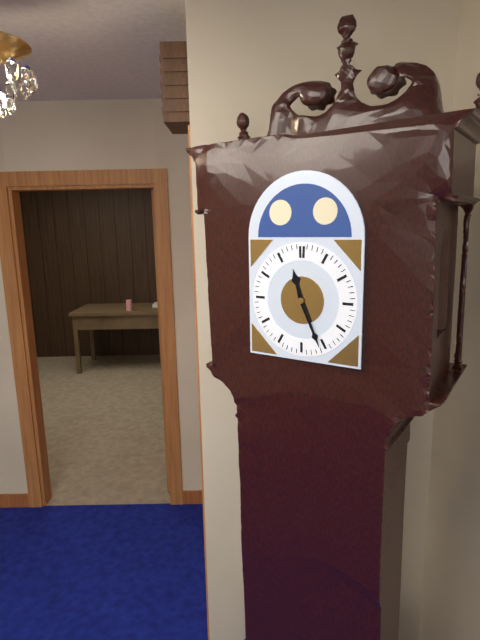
11:26
